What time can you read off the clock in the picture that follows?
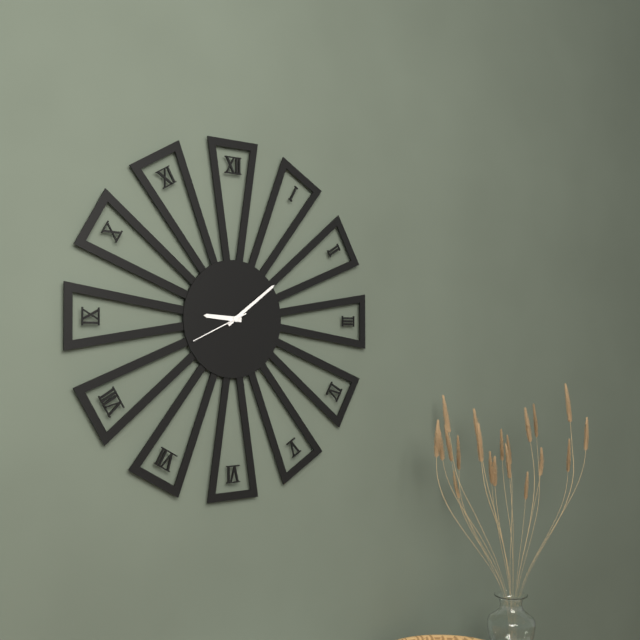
9:09:41
